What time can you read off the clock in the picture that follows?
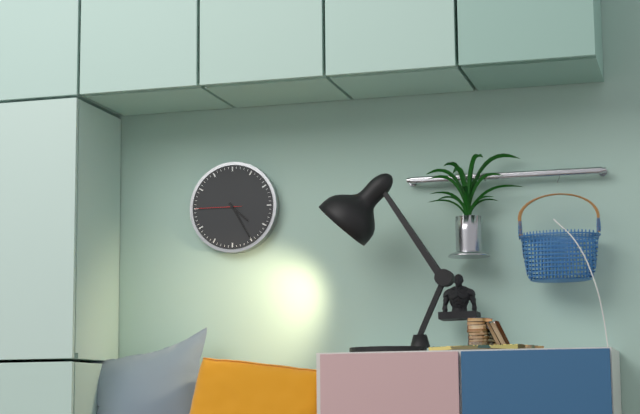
4:25
